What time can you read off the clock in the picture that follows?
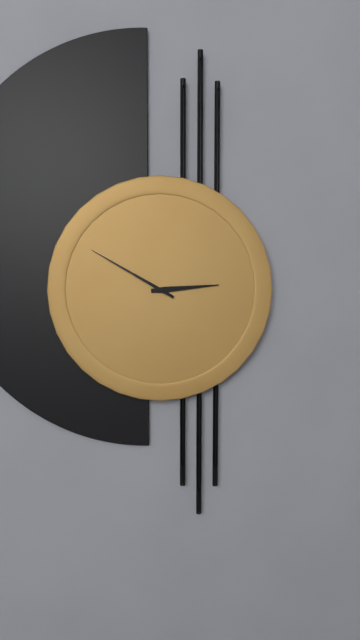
2:50
